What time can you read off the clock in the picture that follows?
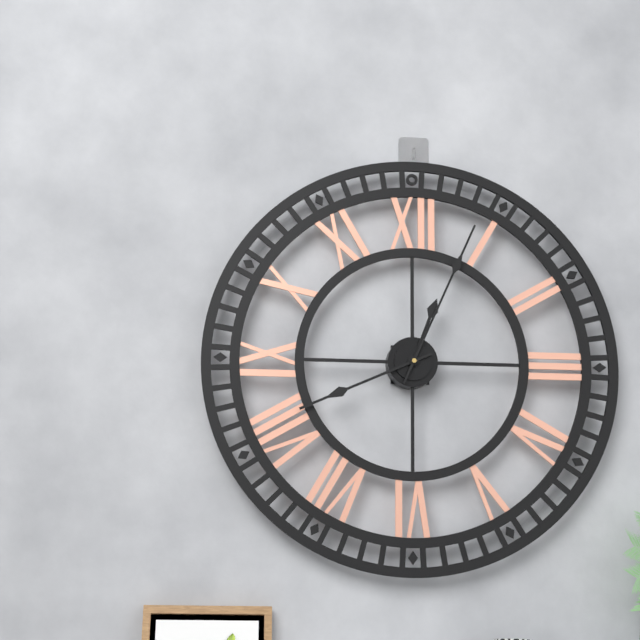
12:41:04
